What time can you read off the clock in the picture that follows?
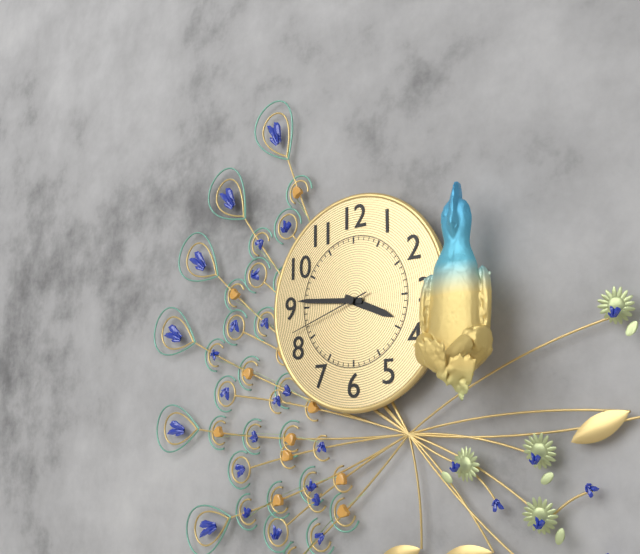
3:46:42
